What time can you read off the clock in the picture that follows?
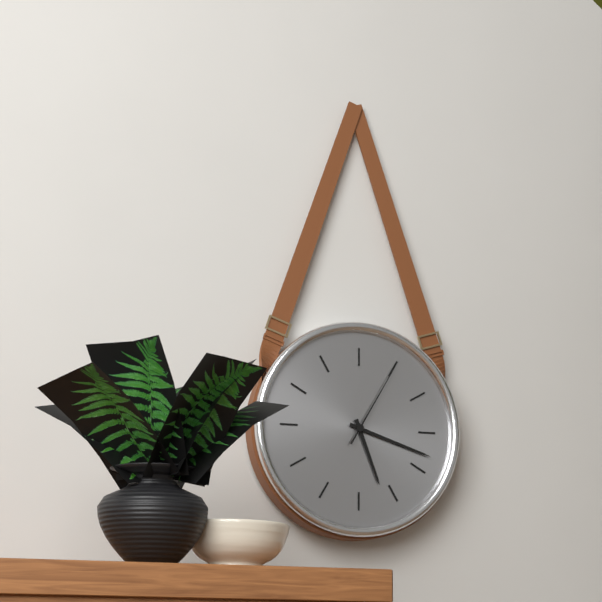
5:18:05
